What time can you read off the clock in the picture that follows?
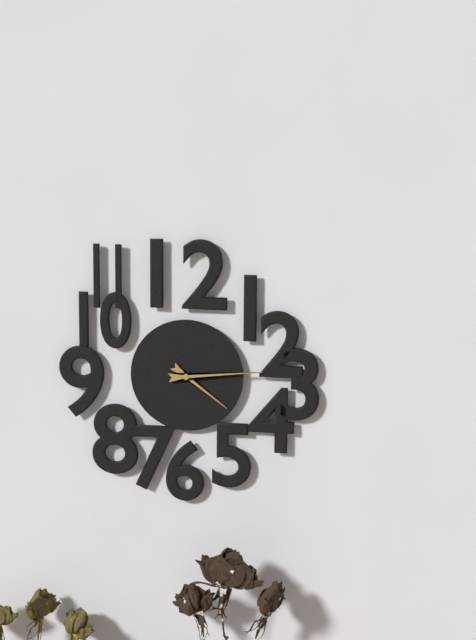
4:14
